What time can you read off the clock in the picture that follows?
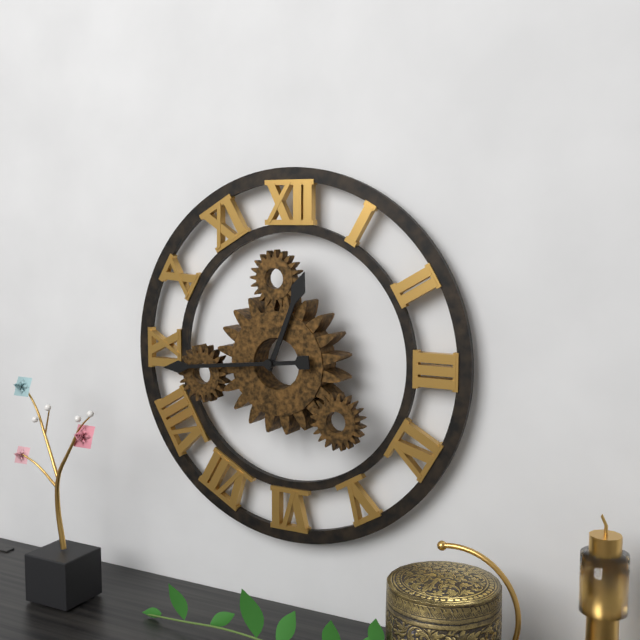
12:44
